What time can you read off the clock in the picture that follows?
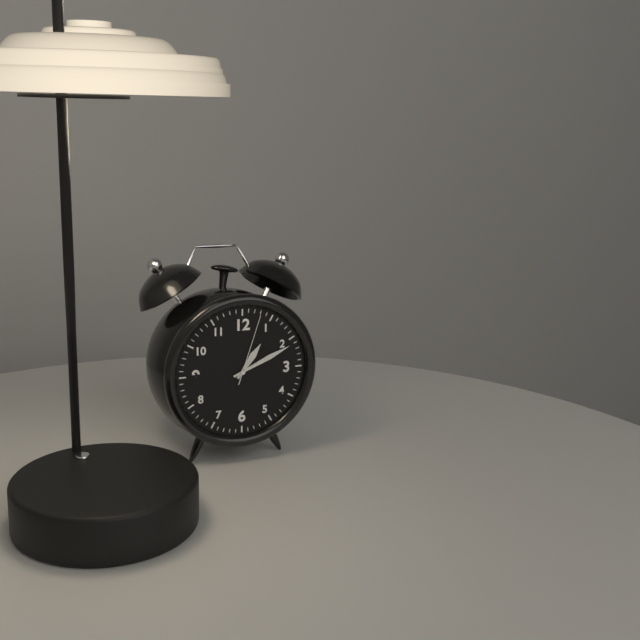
1:11:03
